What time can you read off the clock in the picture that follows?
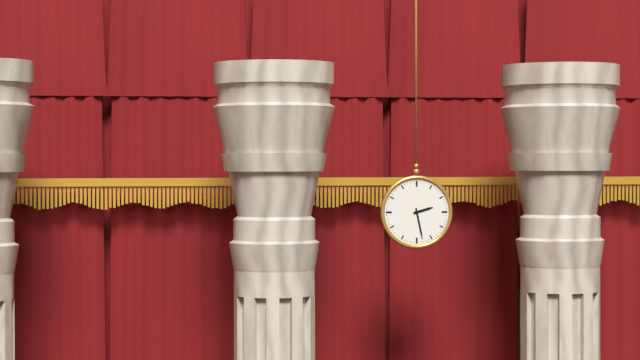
2:28
